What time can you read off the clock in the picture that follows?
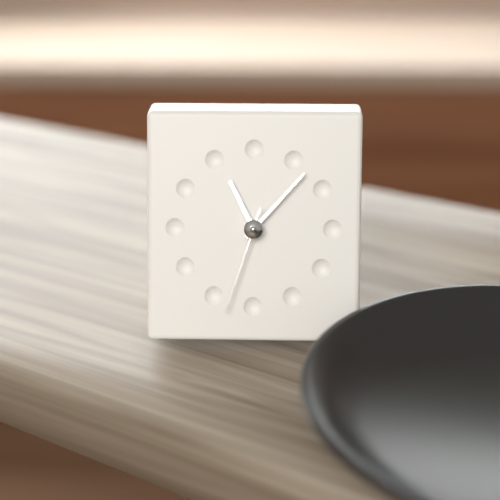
11:07:33
